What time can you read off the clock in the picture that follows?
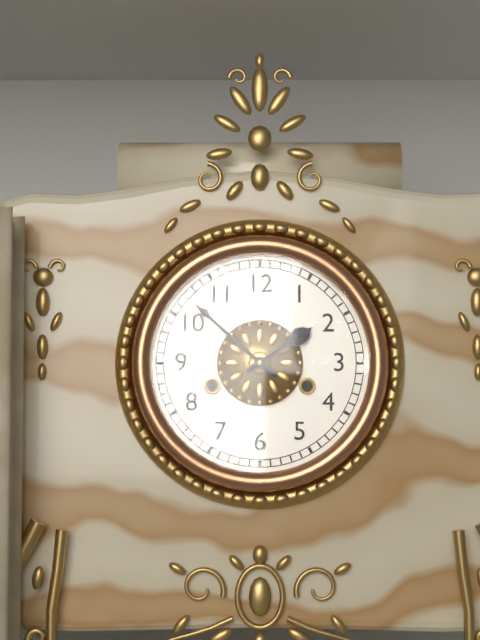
1:52
